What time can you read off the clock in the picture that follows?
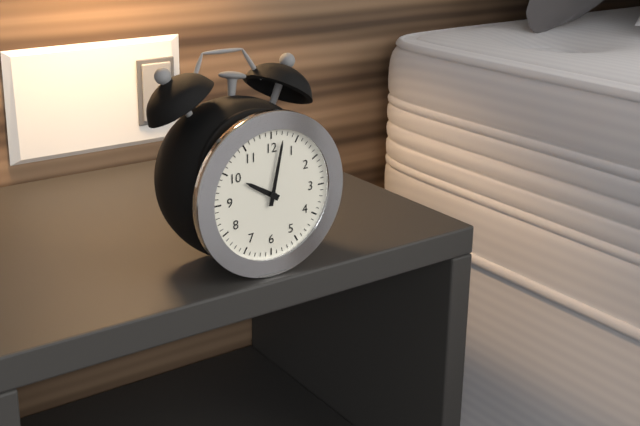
10:02
